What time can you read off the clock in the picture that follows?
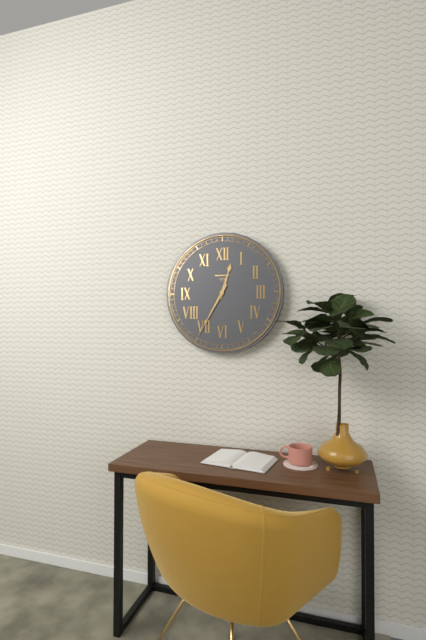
12:35
